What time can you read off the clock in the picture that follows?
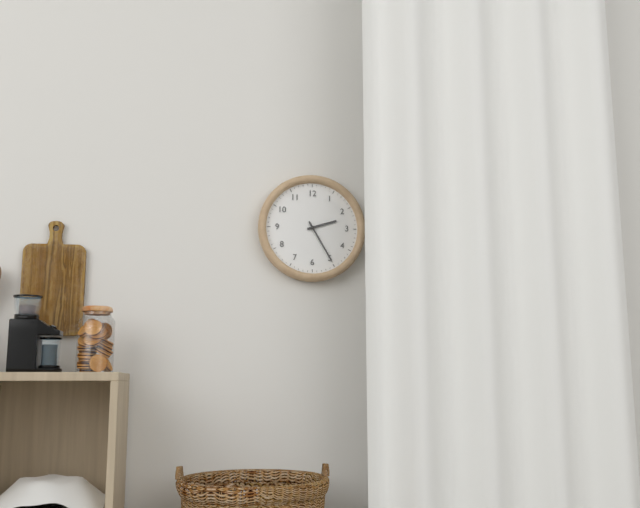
2:25
